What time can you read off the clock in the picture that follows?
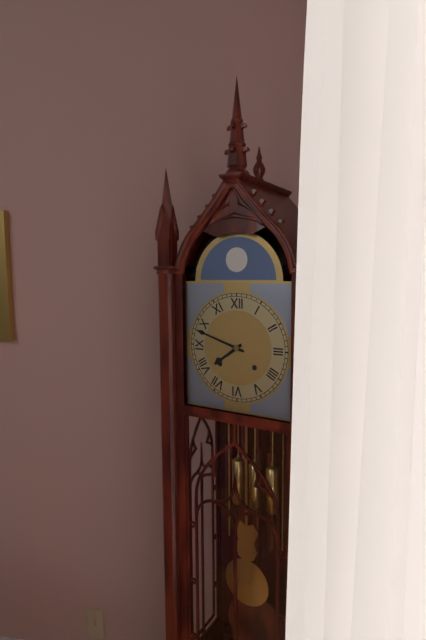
7:48
